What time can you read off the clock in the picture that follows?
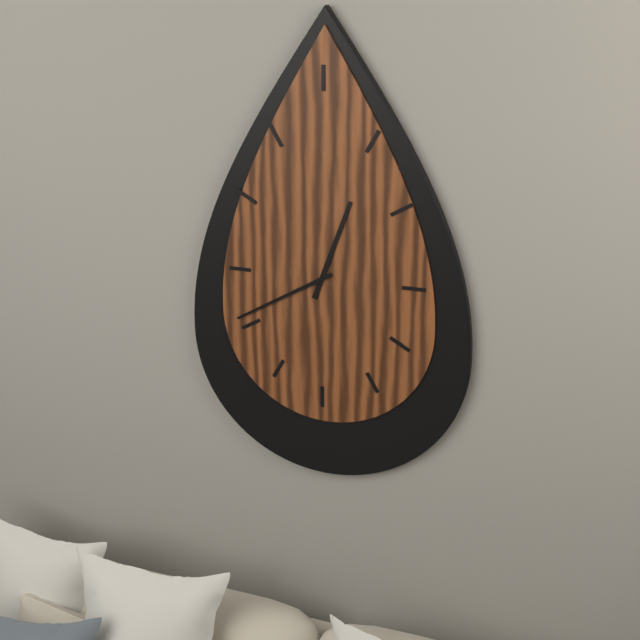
12:40
